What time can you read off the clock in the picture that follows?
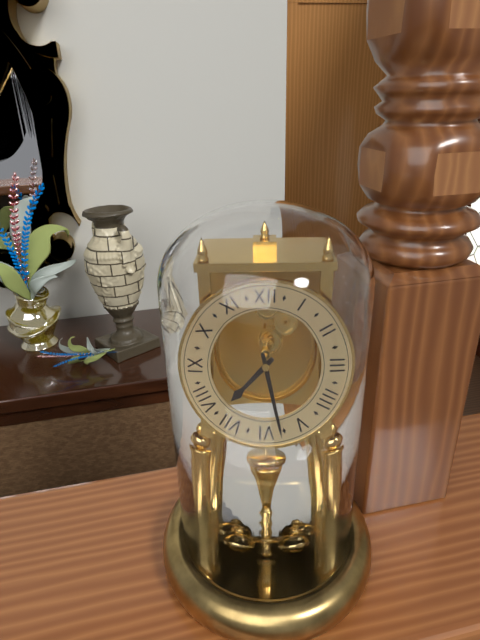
7:28
